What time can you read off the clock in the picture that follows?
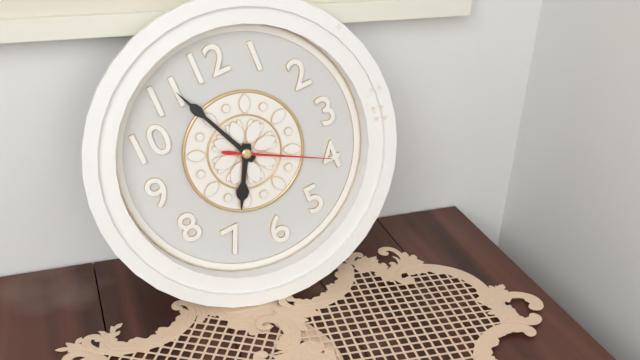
6:56:20
